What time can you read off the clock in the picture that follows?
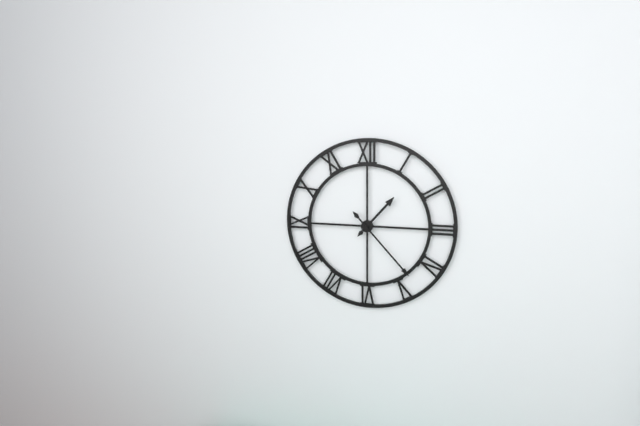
1:23
